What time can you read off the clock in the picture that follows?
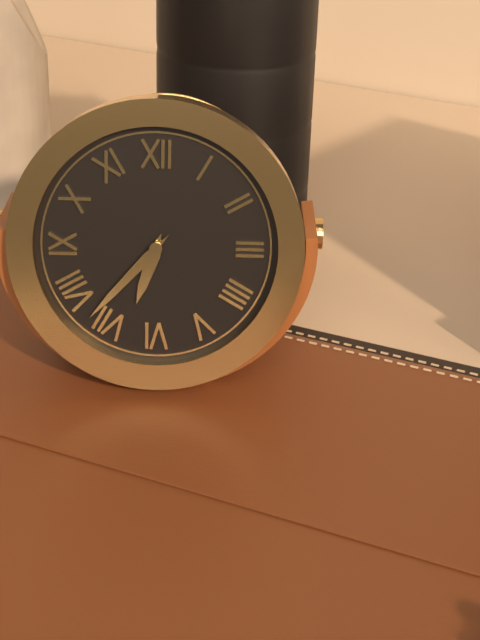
6:37
